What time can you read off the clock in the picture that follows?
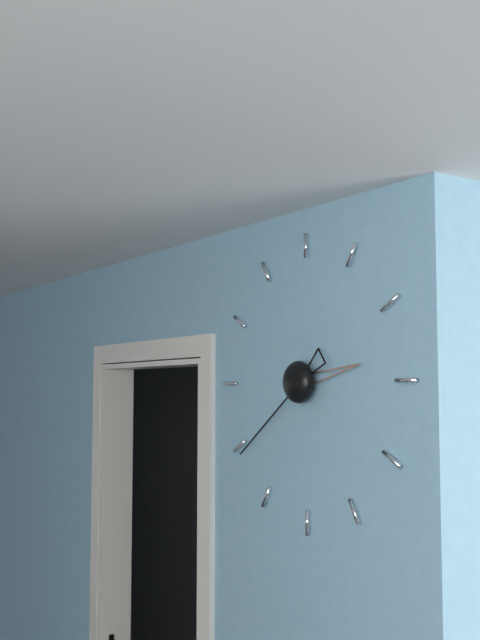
2:39
